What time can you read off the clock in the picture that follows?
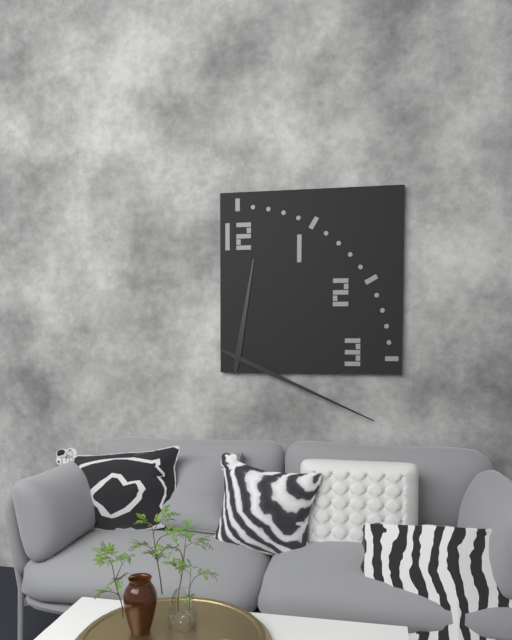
12:19
